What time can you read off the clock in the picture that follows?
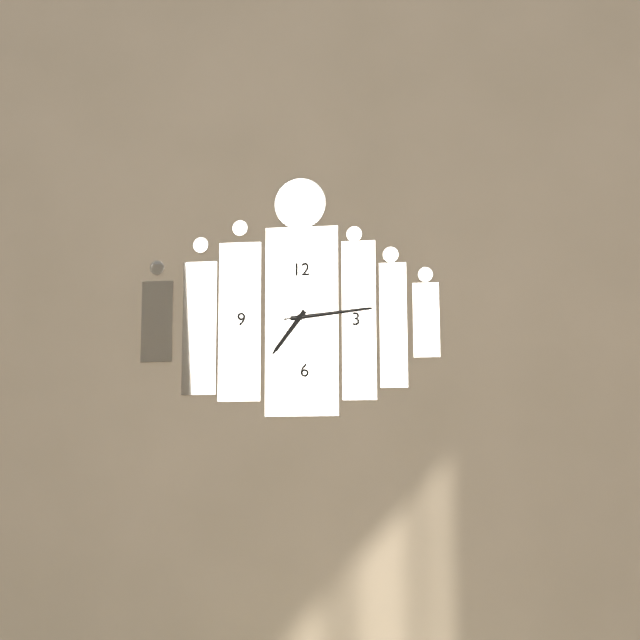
7:14:14
